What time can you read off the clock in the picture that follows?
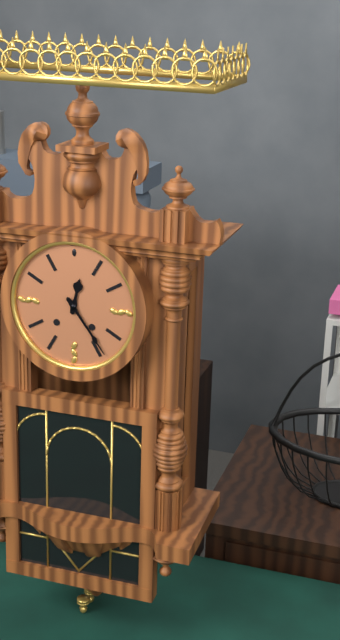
12:24
